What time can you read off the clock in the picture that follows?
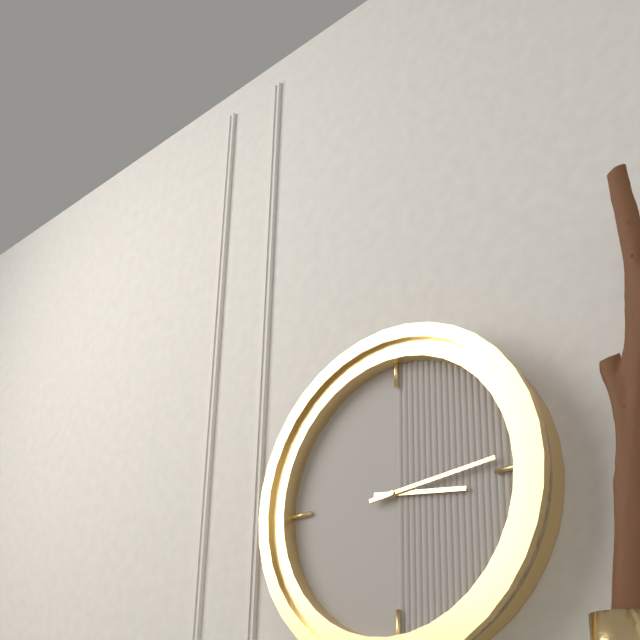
3:14
